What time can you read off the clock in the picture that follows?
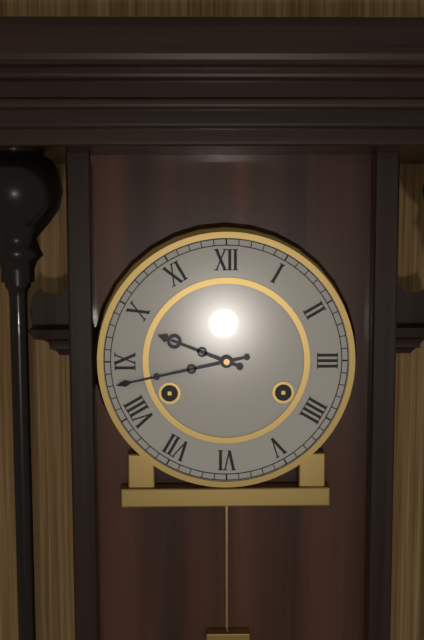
9:43
